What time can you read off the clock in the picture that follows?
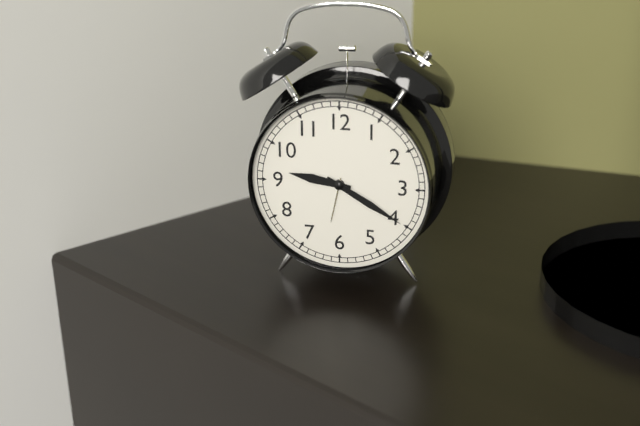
9:20
